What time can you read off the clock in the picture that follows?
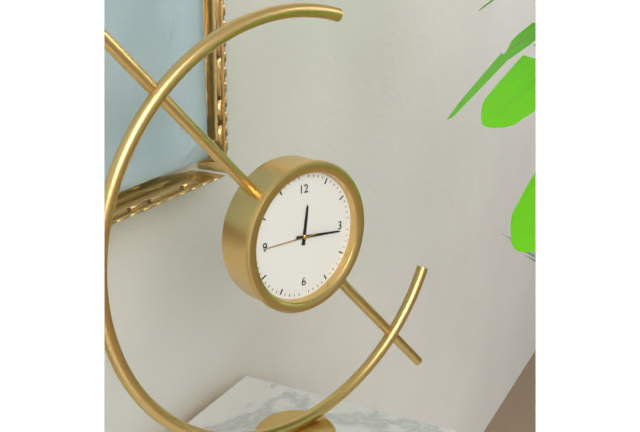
12:16:45
